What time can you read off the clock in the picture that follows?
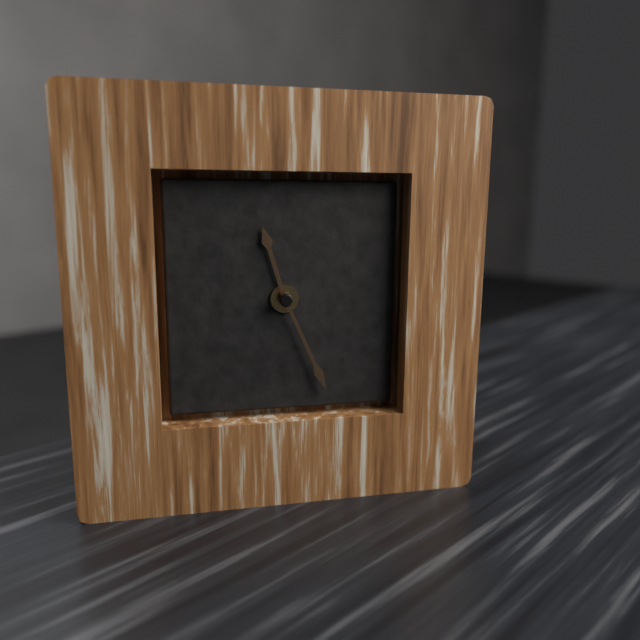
11:26
